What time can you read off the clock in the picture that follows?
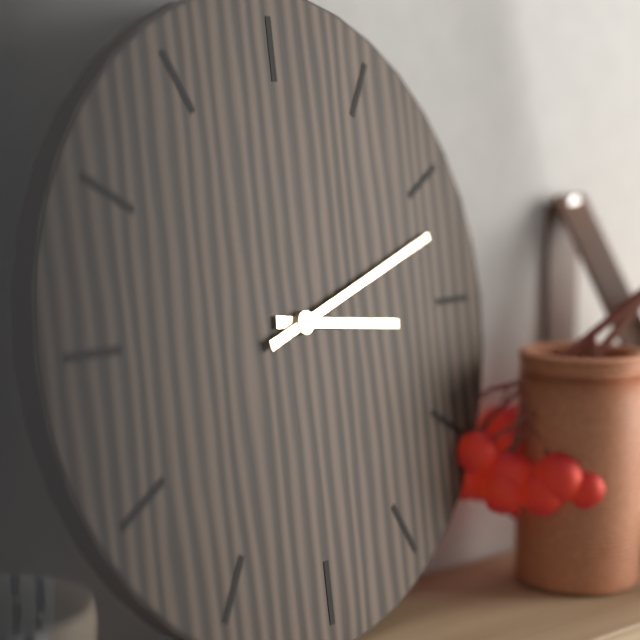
3:12
